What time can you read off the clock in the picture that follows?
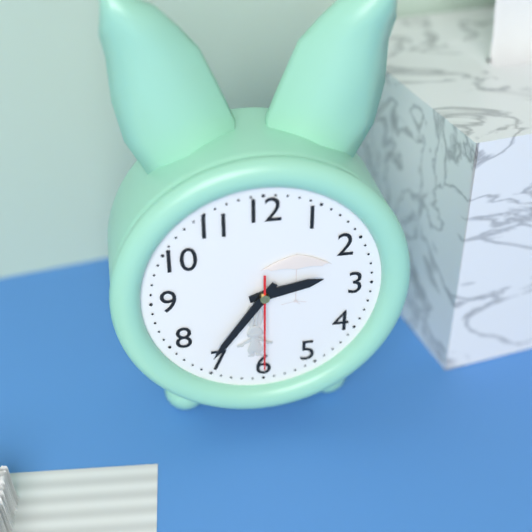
2:36:30
